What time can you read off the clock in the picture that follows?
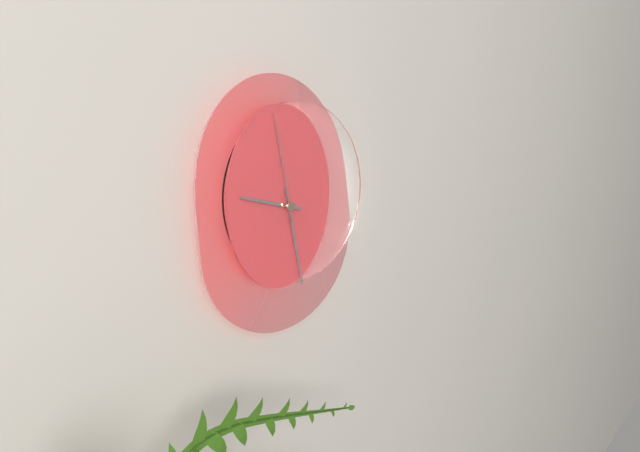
9:28:58
